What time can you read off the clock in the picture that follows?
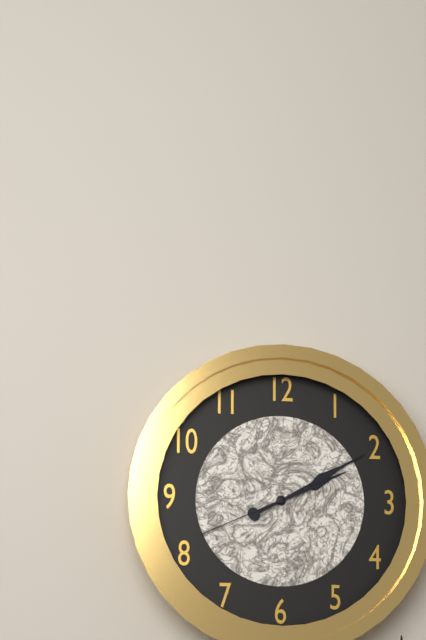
2:10:41
